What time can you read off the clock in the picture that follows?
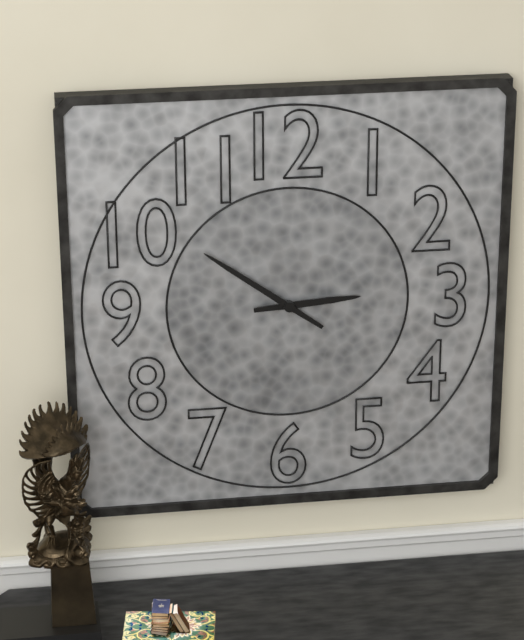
2:51
